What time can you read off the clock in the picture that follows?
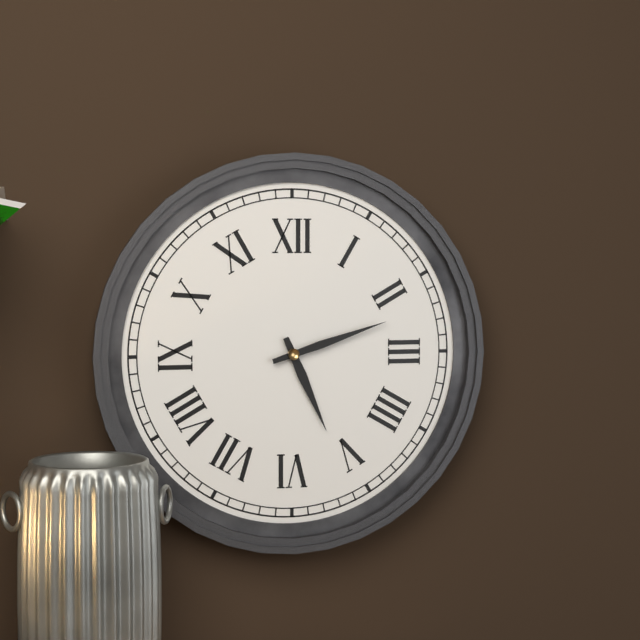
5:12
